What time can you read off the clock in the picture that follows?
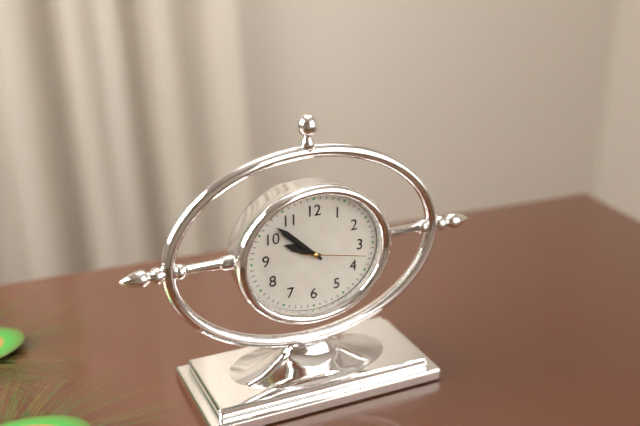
9:52:17
